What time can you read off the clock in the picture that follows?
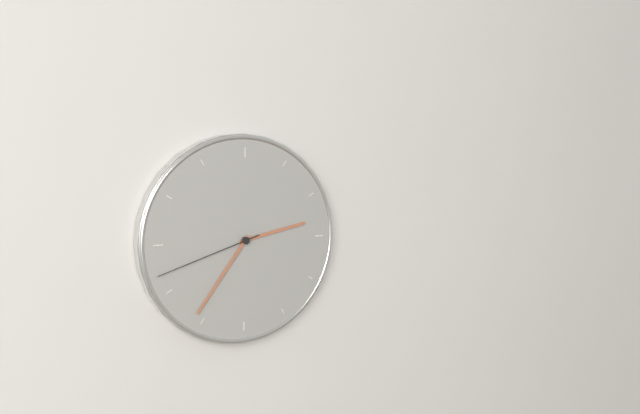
2:36:42
